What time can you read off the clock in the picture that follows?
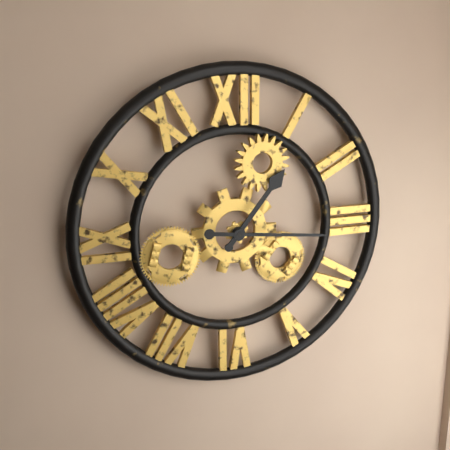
1:16
